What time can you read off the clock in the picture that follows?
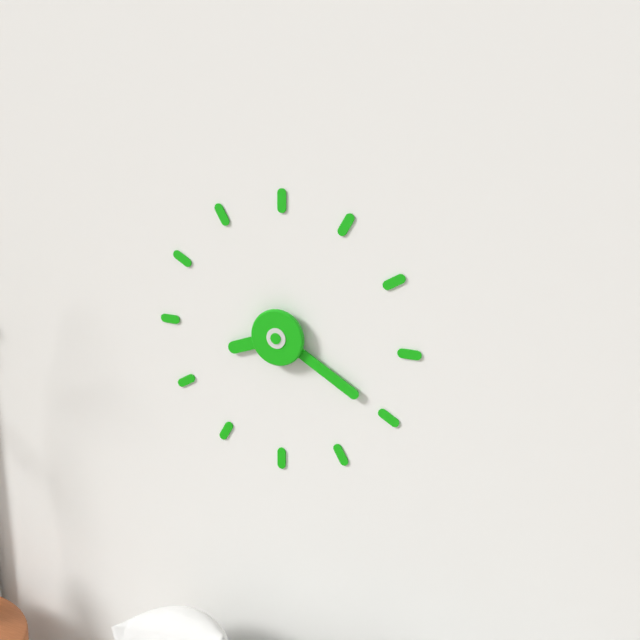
8:20
